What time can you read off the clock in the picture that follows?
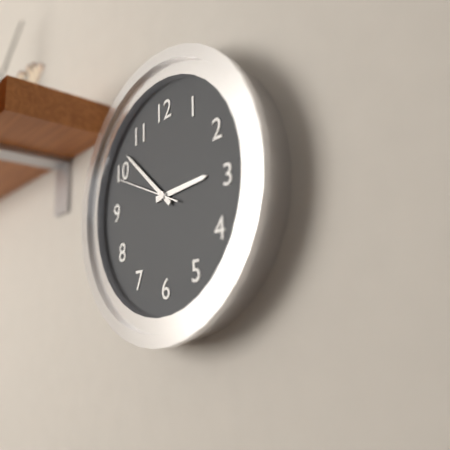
2:52:49
